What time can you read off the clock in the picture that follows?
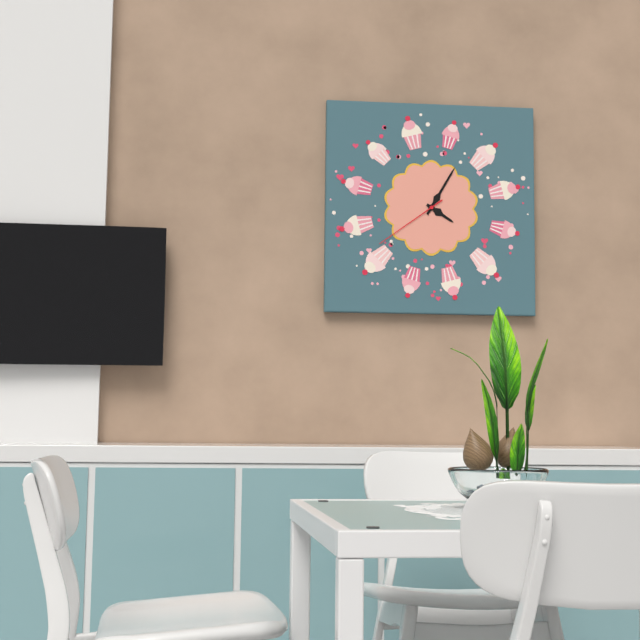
4:05:39
